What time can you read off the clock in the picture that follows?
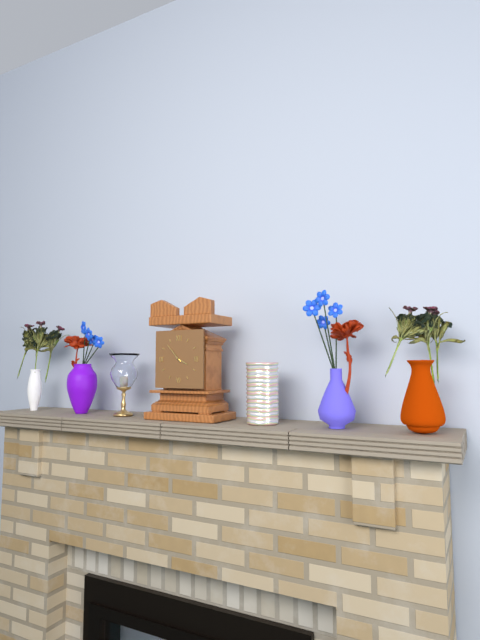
3:53
